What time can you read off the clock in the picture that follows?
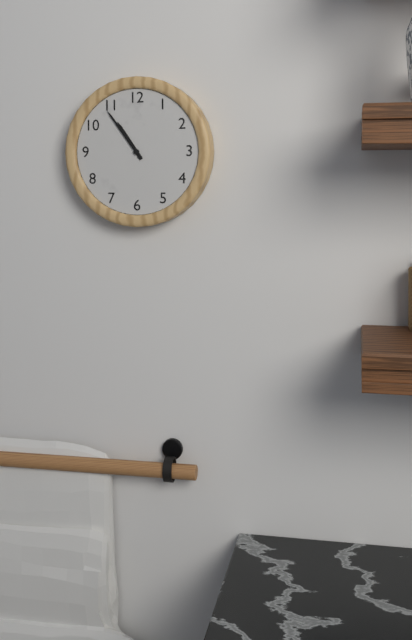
10:54
